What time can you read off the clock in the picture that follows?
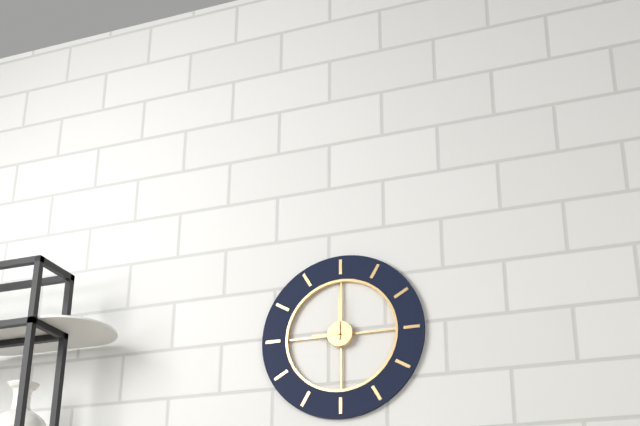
9:00
